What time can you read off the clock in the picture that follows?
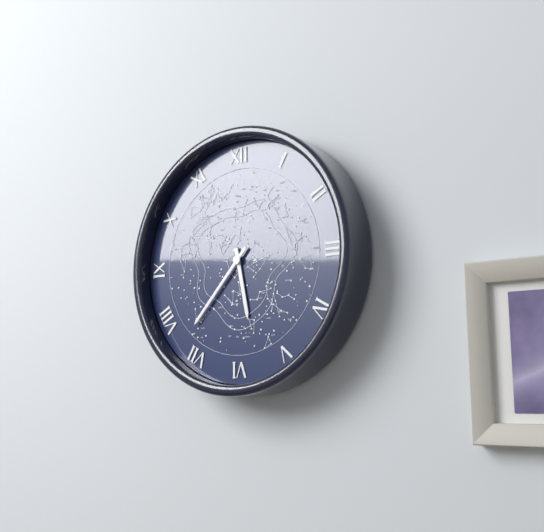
5:37
